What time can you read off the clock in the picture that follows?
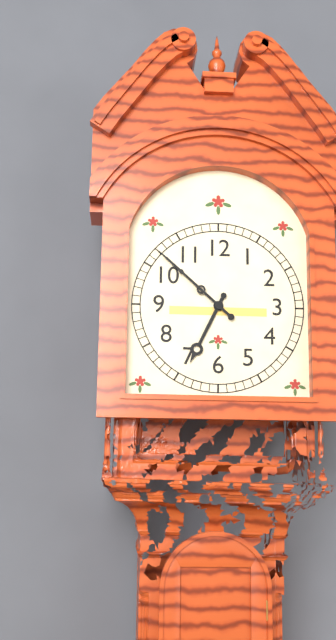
6:52
